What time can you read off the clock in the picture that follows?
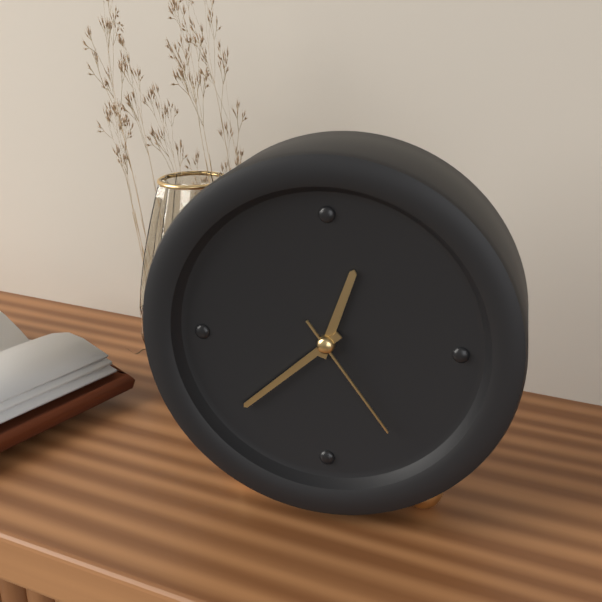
12:38:24
